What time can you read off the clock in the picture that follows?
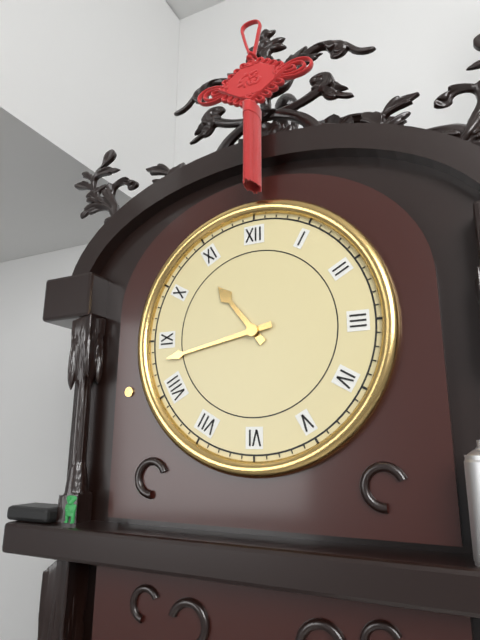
10:43
